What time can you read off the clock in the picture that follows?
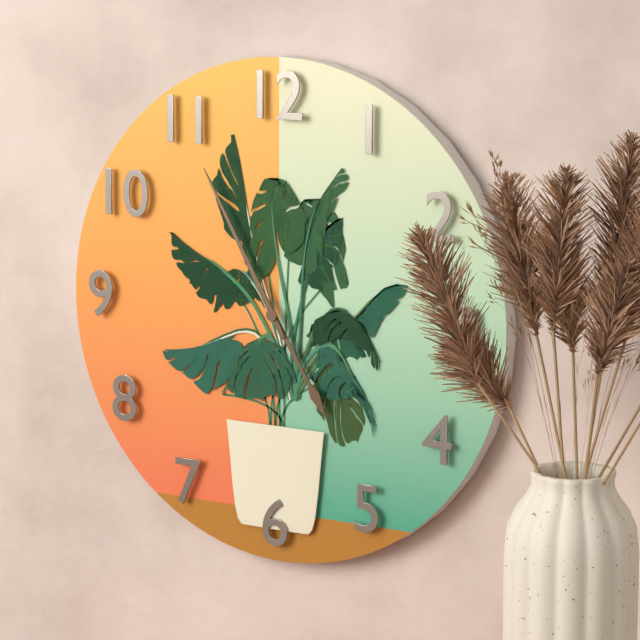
4:55
